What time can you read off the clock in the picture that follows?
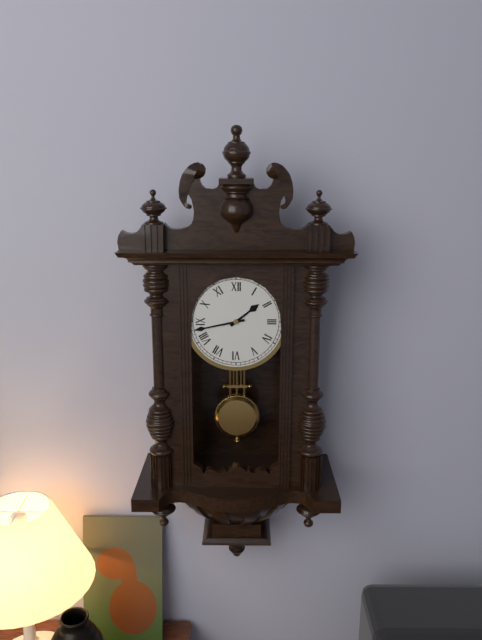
1:43
